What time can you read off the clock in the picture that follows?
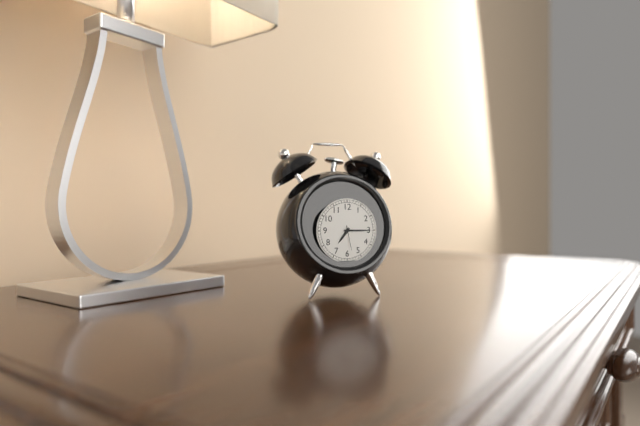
7:15
